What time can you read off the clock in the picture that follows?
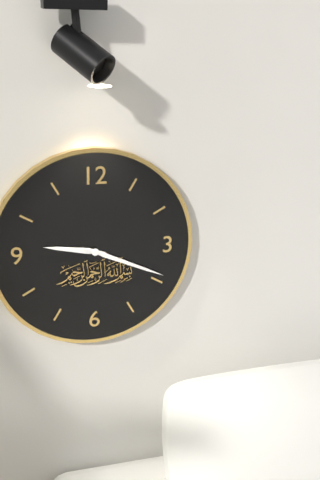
9:19
